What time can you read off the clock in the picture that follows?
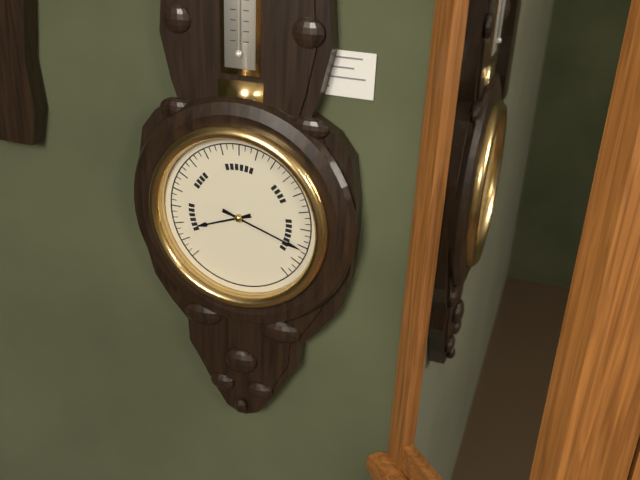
8:18
